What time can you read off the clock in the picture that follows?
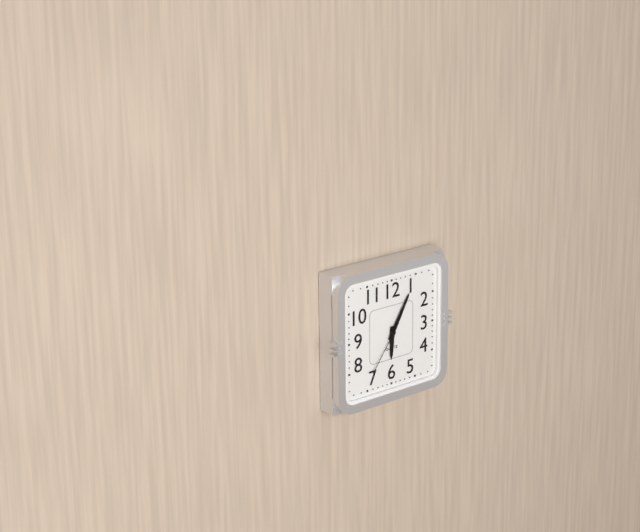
6:05:36
